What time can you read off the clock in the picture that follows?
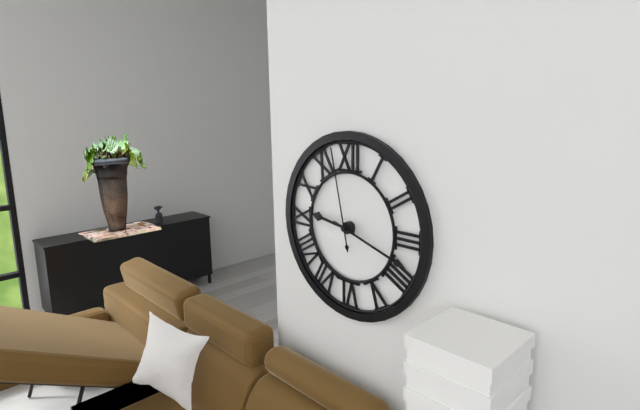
9:18:58
